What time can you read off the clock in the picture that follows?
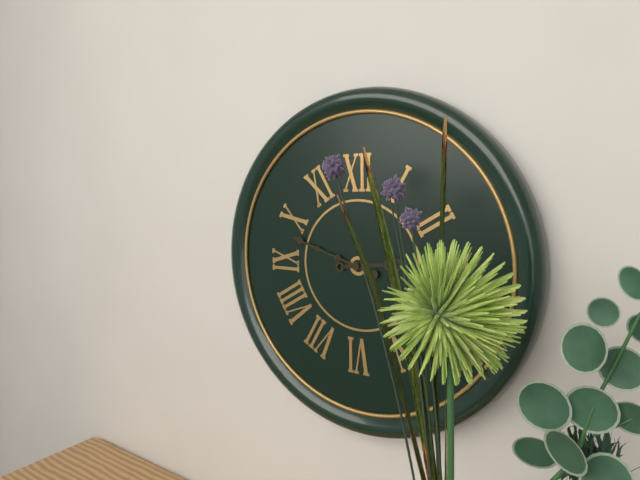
2:48
